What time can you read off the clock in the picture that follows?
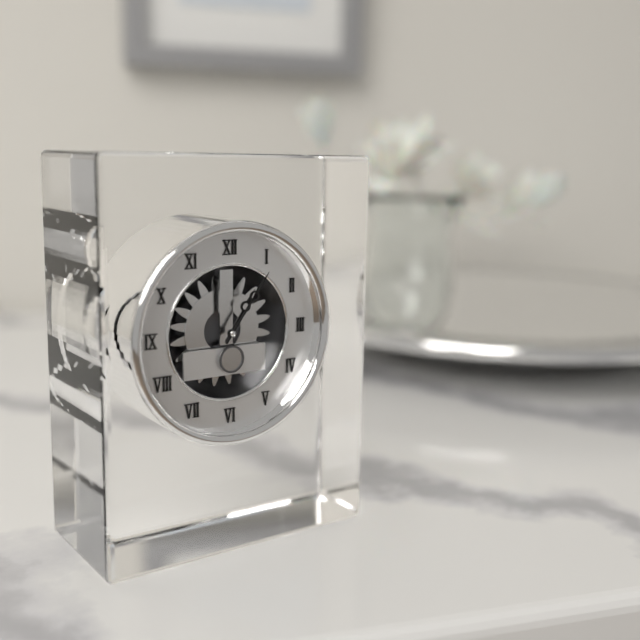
1:06
